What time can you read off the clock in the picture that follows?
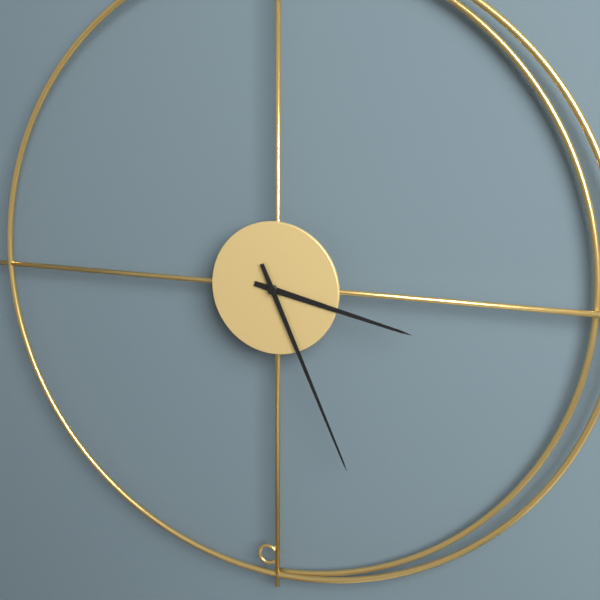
3:26
